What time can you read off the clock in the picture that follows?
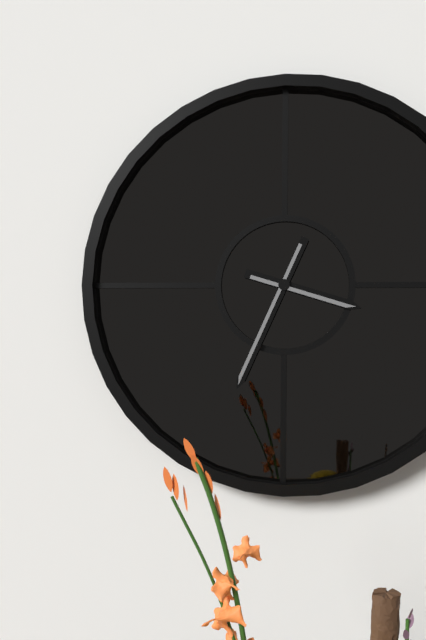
3:34
